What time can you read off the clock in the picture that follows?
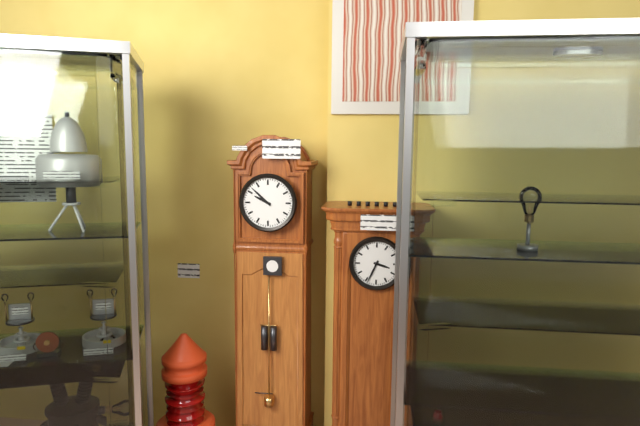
9:52
